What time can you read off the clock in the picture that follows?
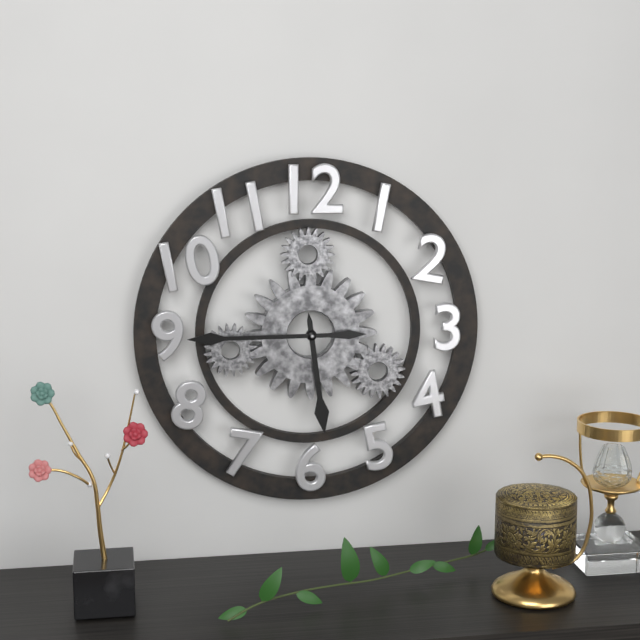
5:45
